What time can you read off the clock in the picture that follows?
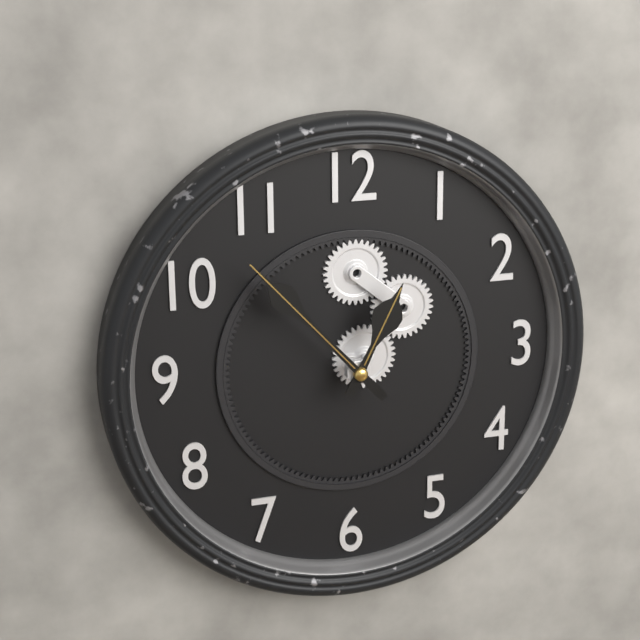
12:53
